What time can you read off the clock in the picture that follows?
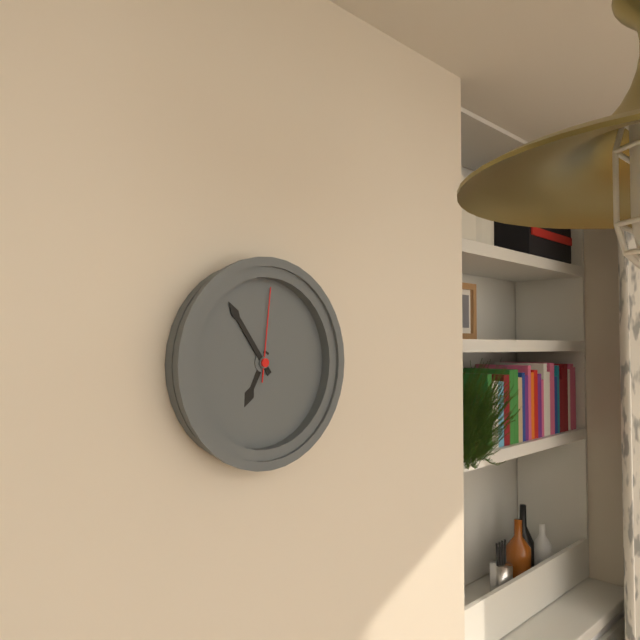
6:54:01
